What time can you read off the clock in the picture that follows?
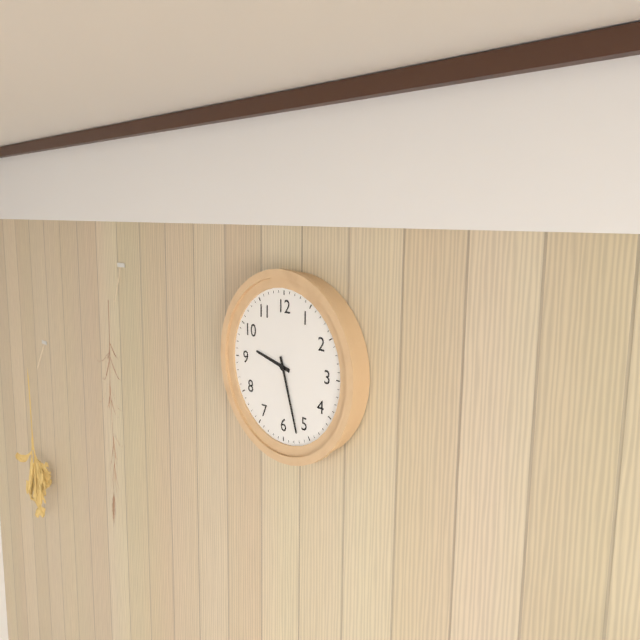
9:27
